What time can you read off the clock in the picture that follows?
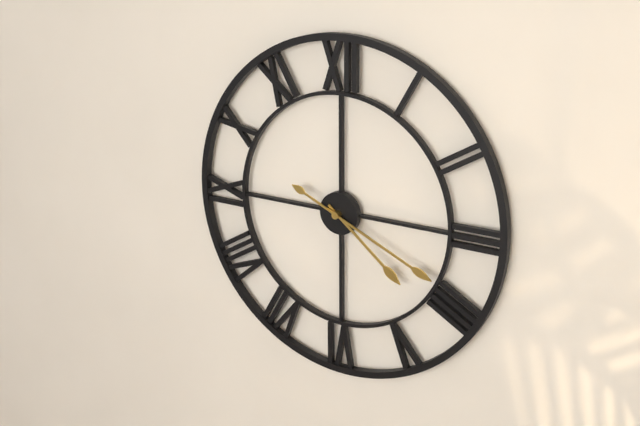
4:19
